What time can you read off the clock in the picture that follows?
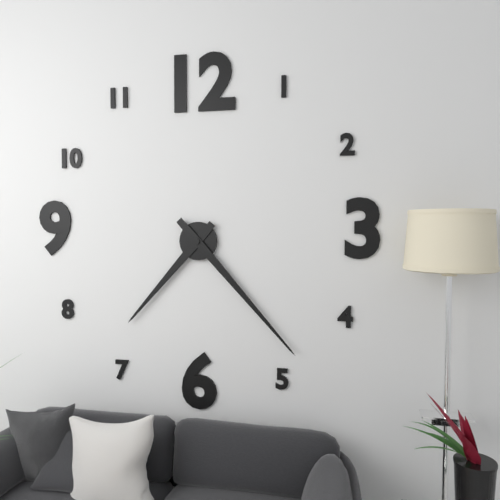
7:23
